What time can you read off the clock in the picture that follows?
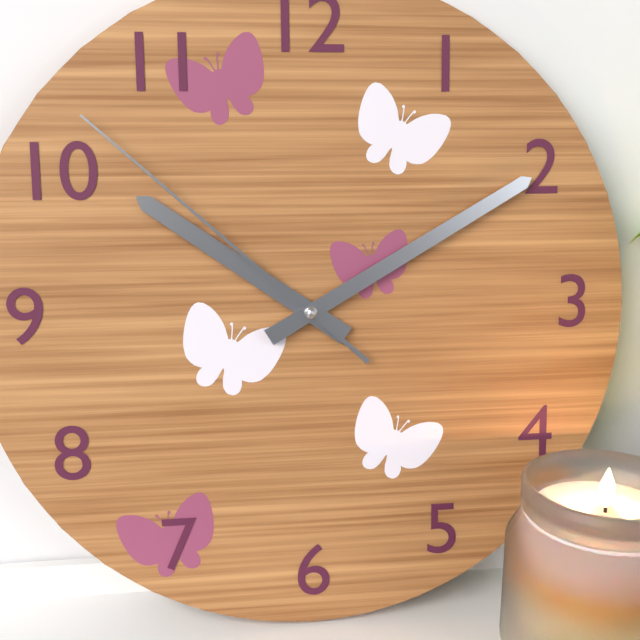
10:10:52
